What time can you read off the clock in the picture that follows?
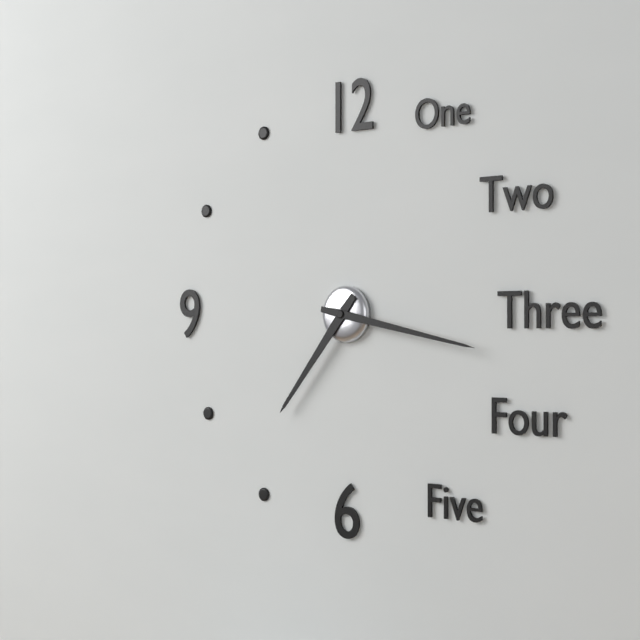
7:17
